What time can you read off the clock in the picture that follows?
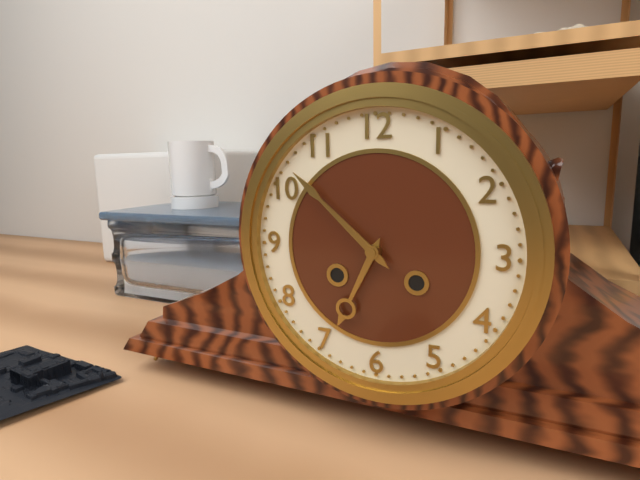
6:52
